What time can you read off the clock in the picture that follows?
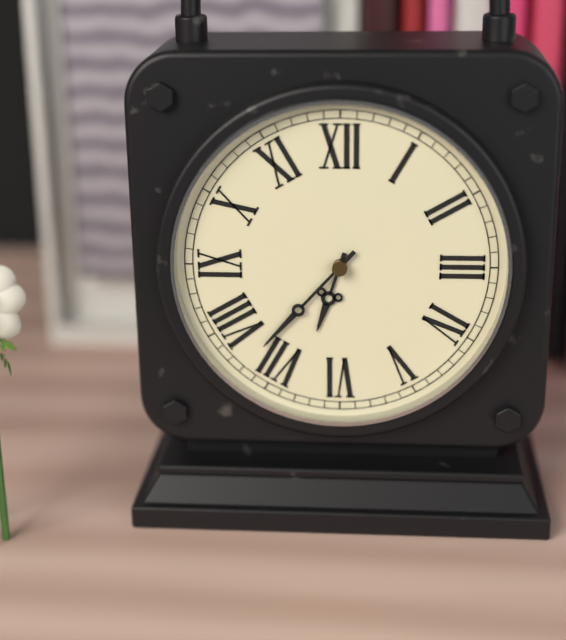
6:37
